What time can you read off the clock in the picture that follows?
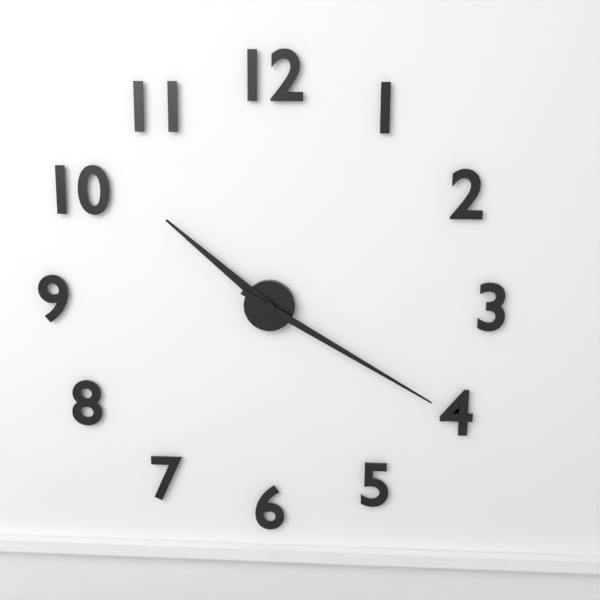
10:20
